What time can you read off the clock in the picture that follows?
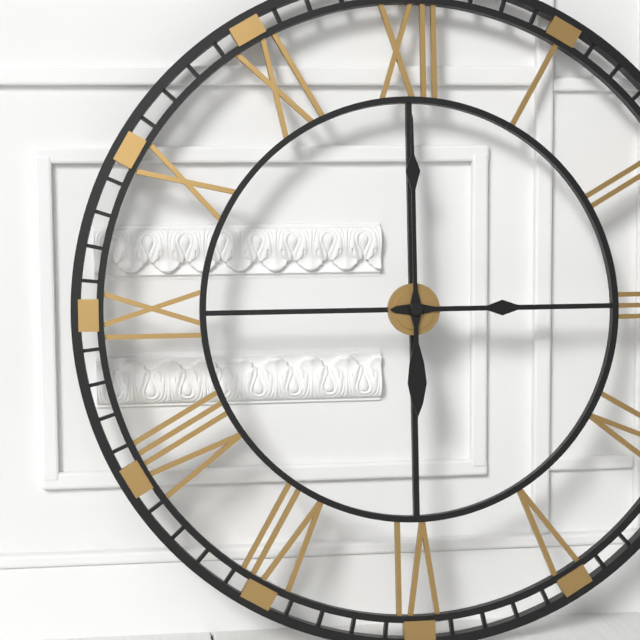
3:00
